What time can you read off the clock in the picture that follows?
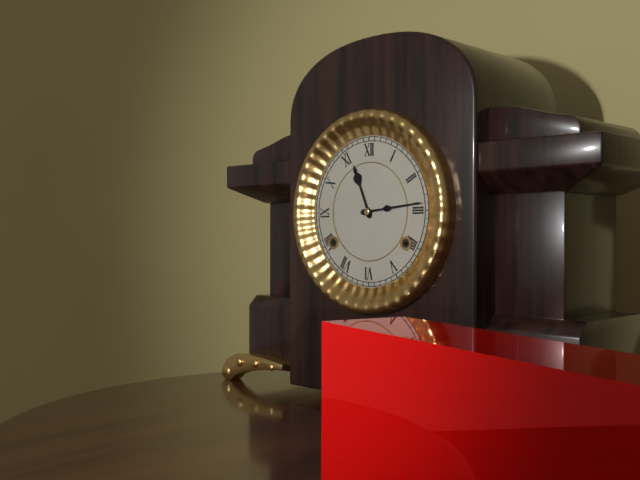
11:14
